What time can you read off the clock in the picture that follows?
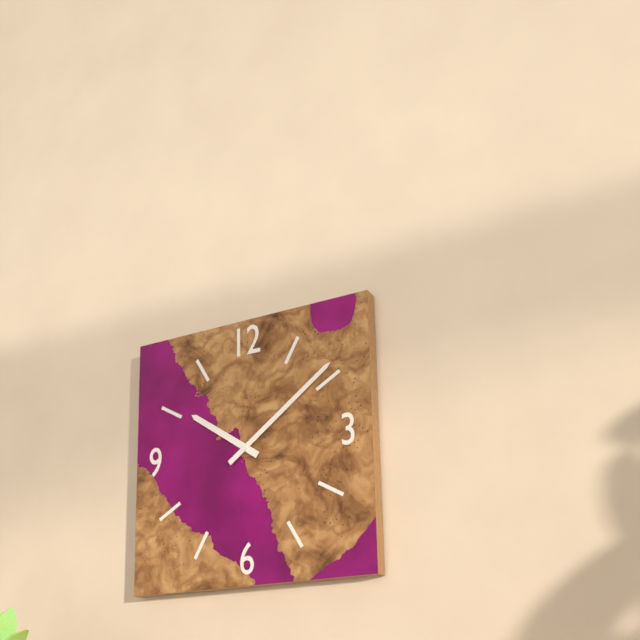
10:09
